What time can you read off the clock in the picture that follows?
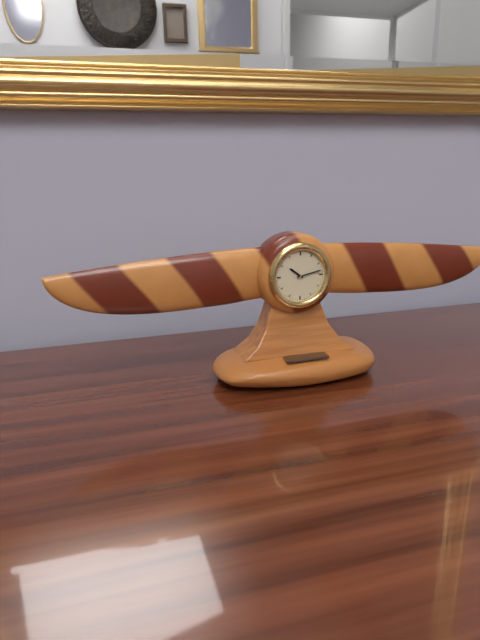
10:13
